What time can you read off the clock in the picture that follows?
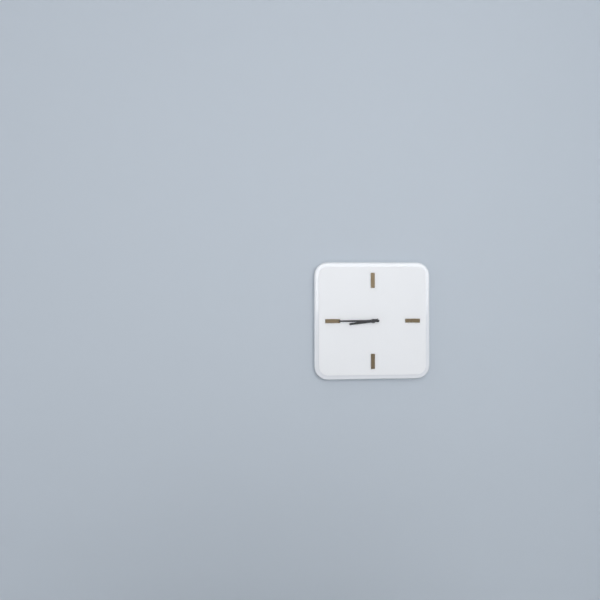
8:45
